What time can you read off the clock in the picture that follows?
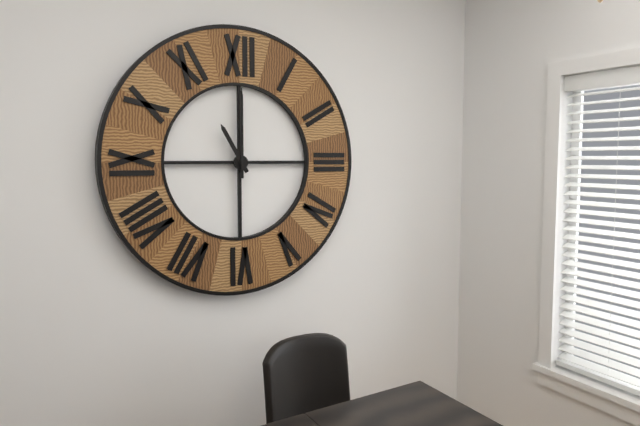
11:00
